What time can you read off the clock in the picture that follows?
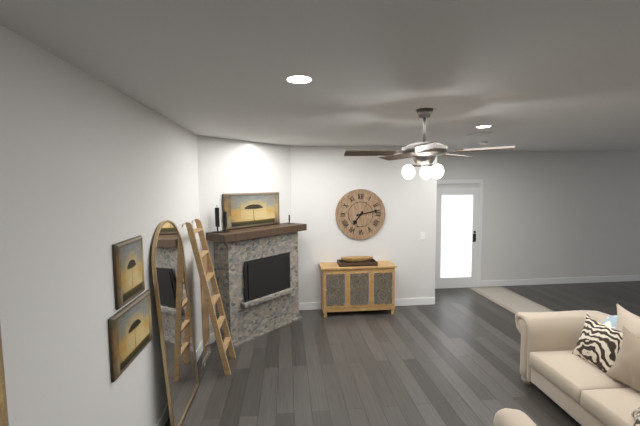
7:13
